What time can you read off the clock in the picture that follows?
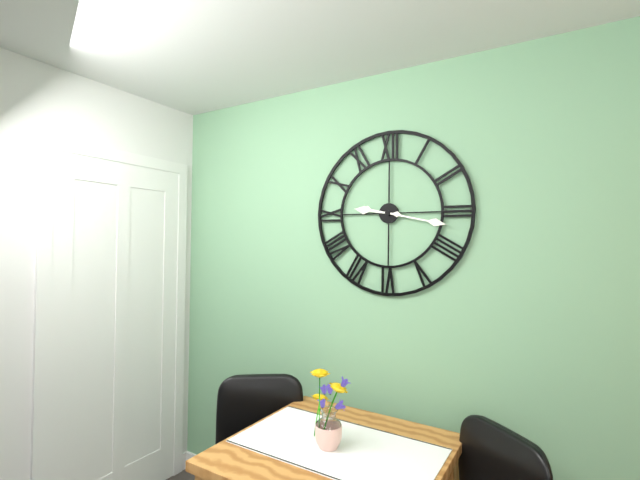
9:17
